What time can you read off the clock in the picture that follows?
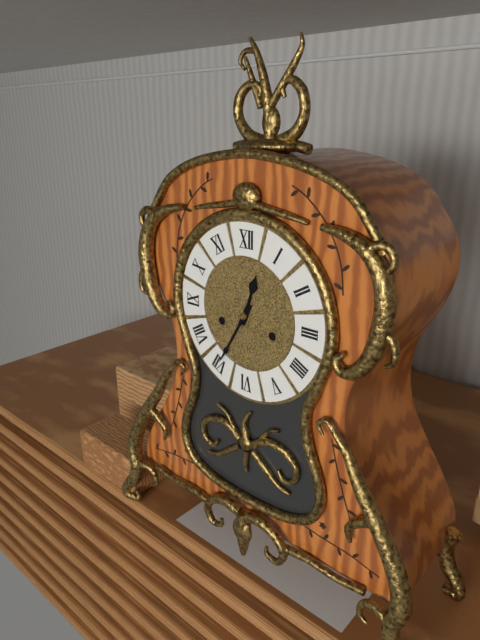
12:35
